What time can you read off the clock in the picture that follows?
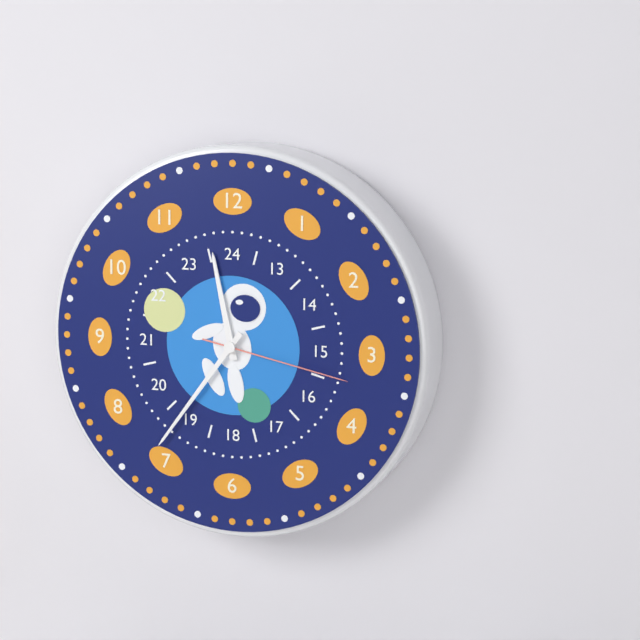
11:36:17
